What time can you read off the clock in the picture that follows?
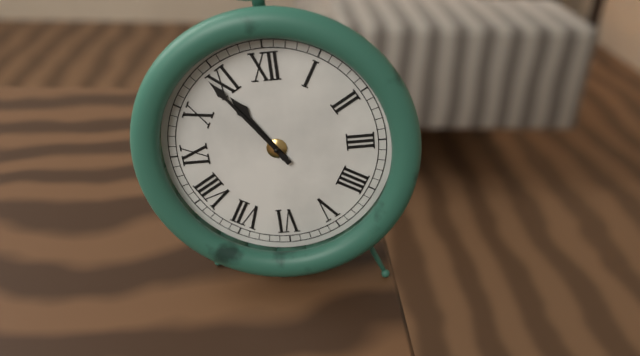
10:54
